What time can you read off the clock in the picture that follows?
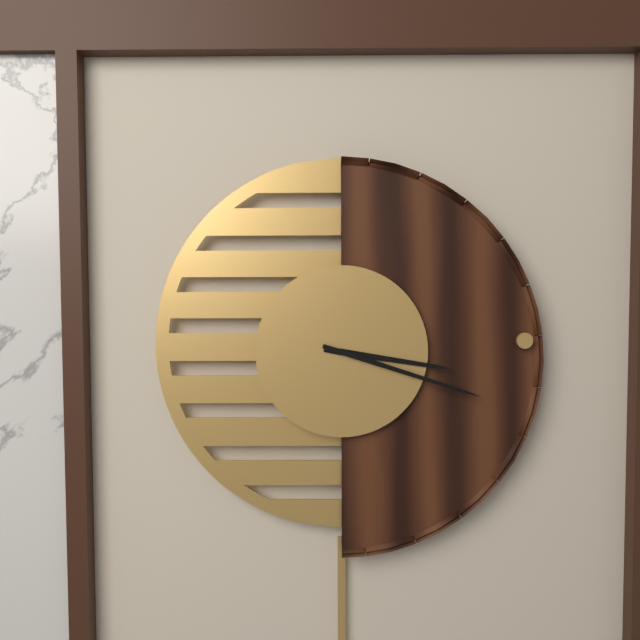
3:18
